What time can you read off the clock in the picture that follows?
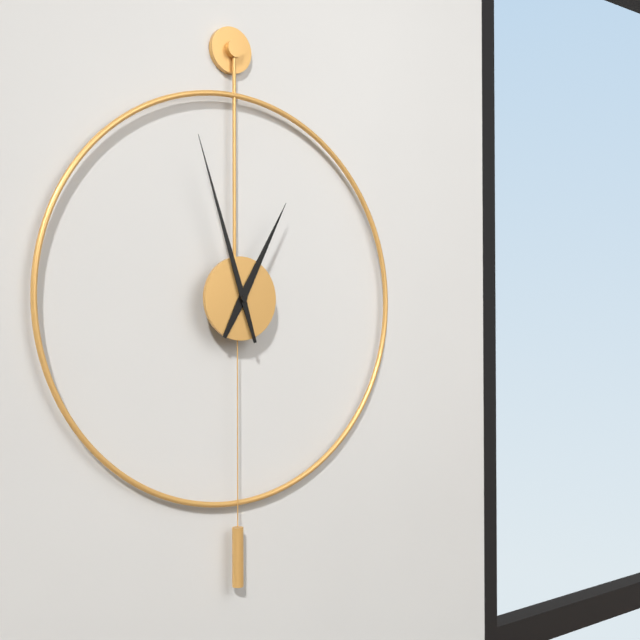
12:57
